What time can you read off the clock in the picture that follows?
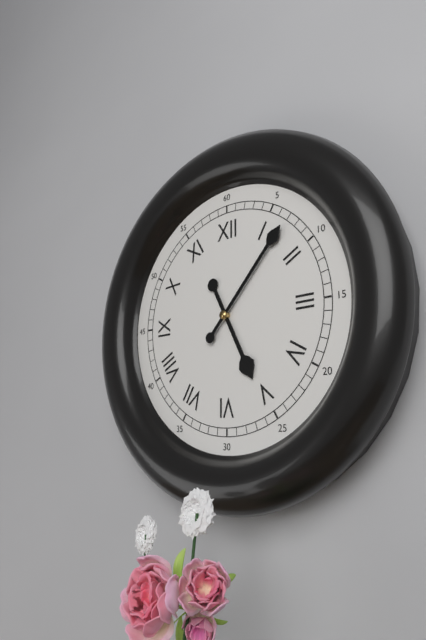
5:07
